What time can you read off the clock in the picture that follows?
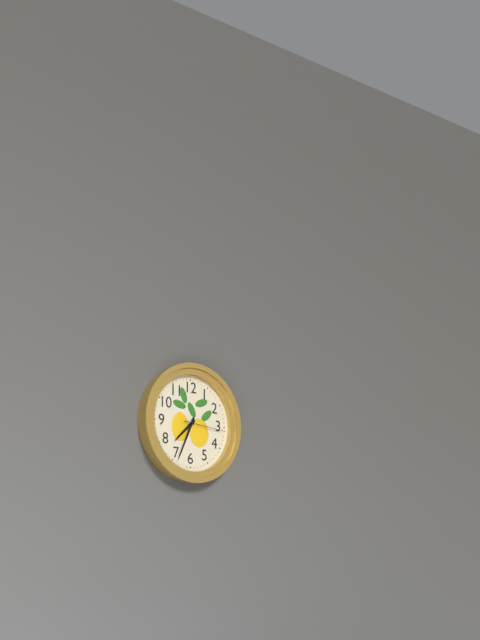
7:34
